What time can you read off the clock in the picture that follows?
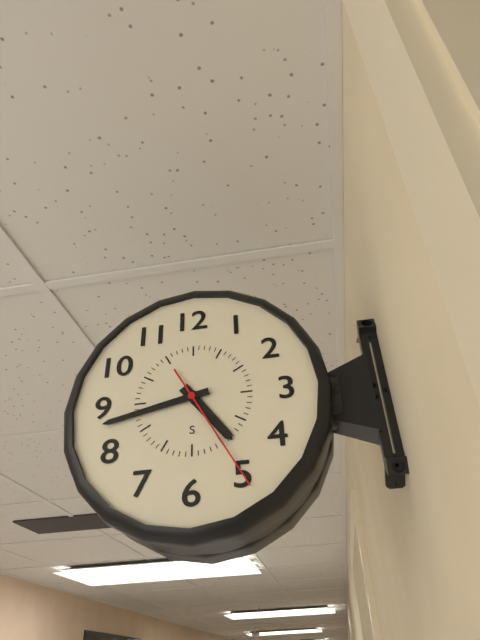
4:43:25
